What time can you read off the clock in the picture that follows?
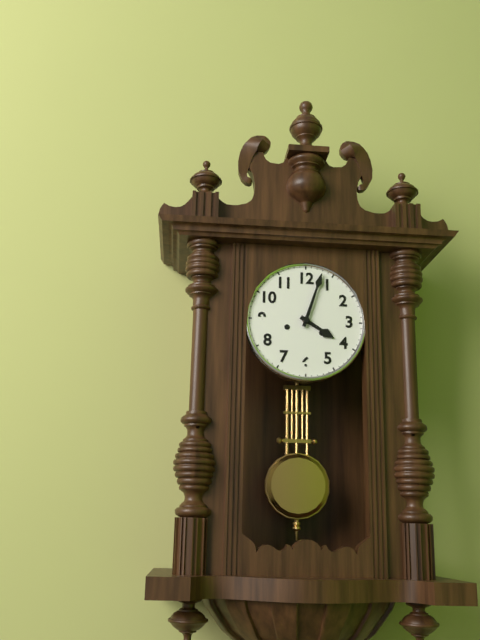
4:03
